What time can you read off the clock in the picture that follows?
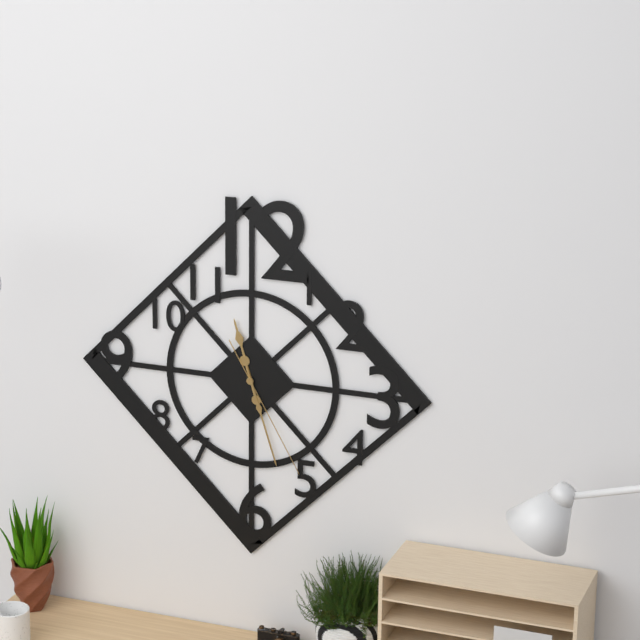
11:27:25
